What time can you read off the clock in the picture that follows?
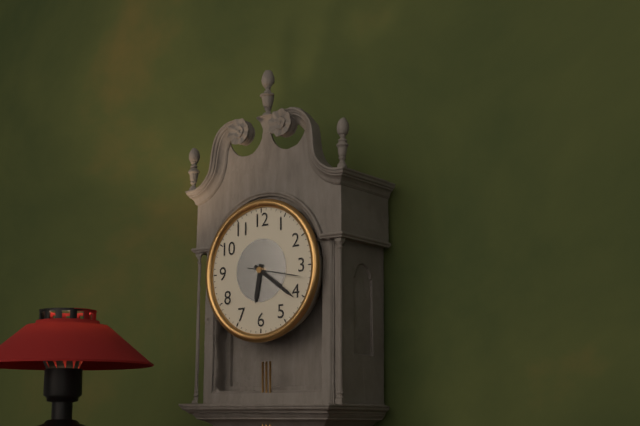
6:21:17
